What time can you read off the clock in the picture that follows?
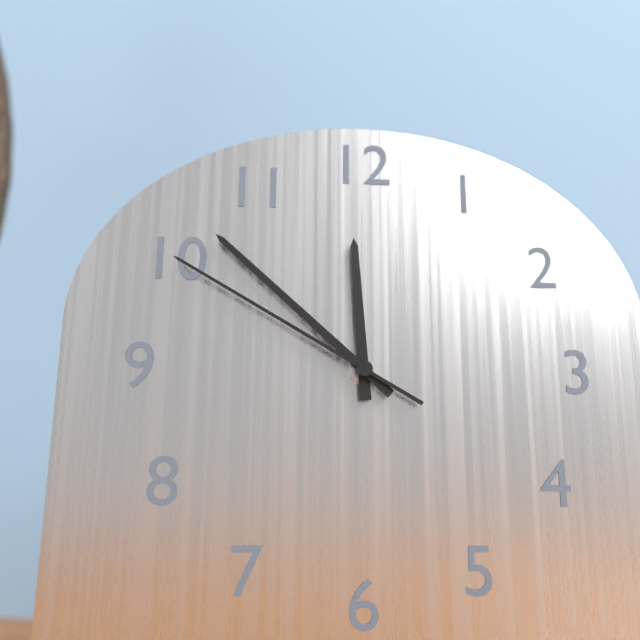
11:52:50
